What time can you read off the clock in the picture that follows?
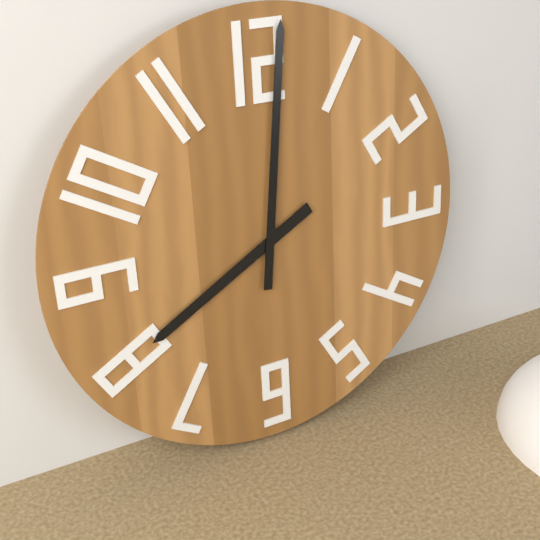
8:01
